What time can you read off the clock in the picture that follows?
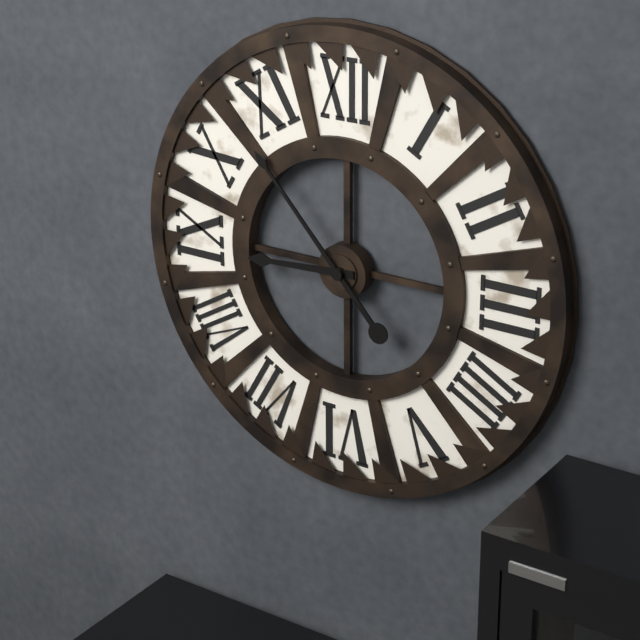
8:53
